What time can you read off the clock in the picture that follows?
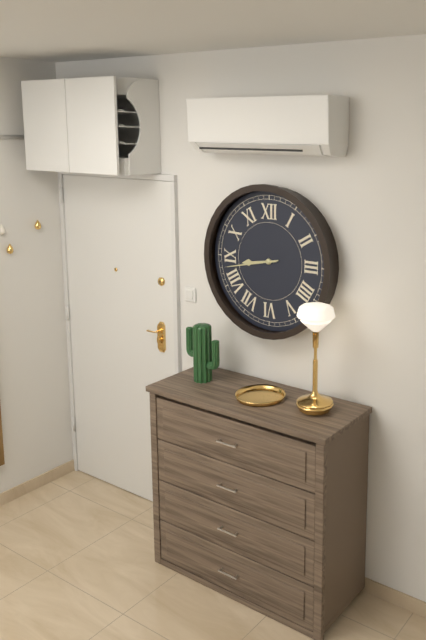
8:43
